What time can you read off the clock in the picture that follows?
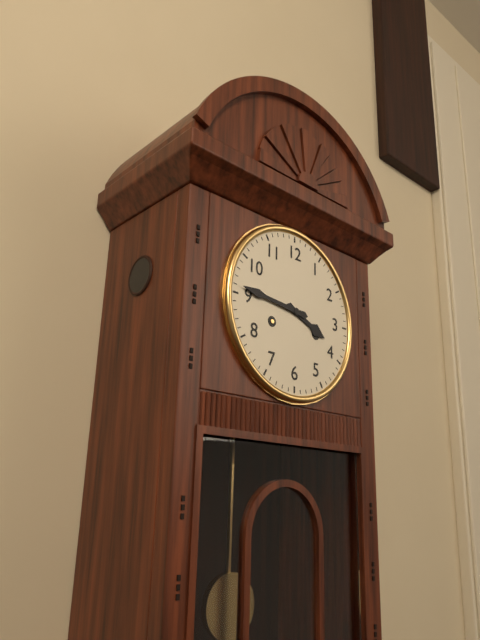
3:46
